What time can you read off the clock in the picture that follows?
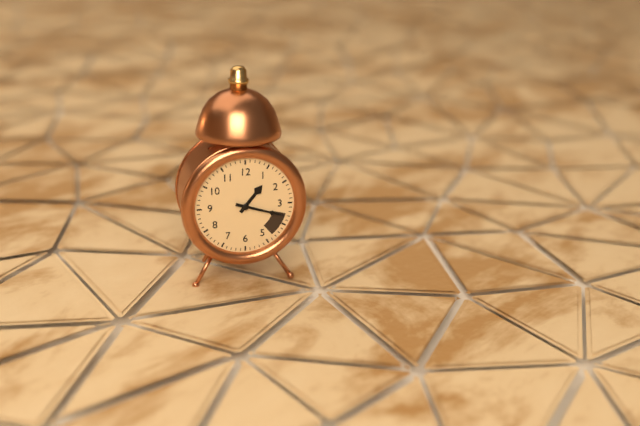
1:18
